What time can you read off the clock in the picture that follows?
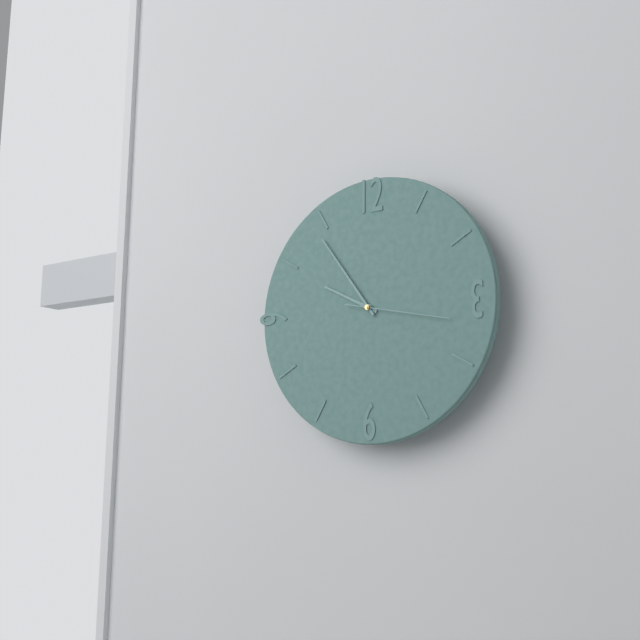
9:54:17
